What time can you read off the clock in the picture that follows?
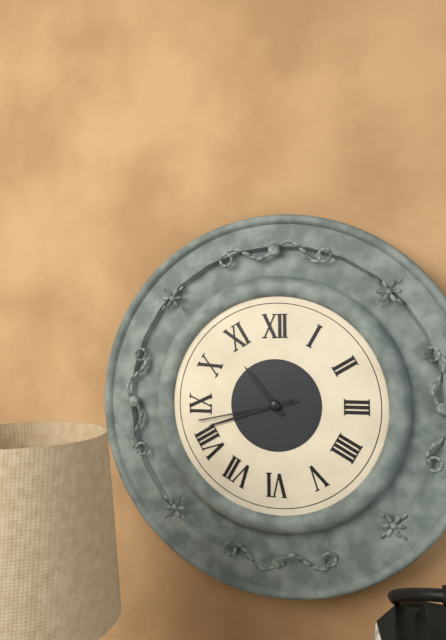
10:42:43
